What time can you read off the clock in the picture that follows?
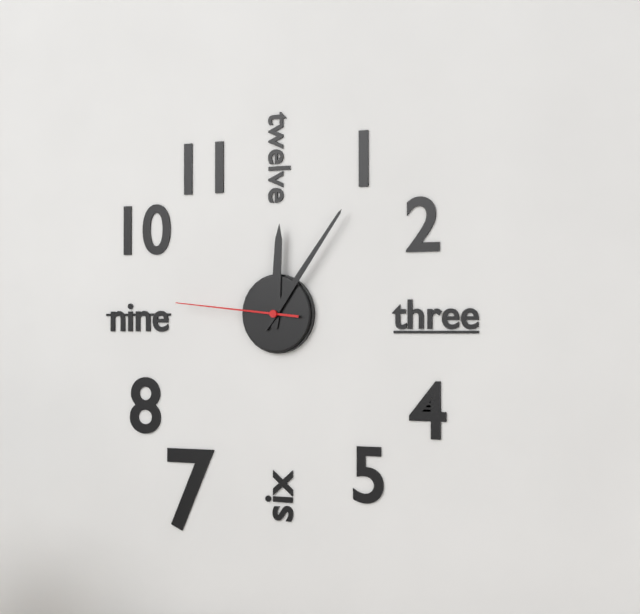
12:06:46
